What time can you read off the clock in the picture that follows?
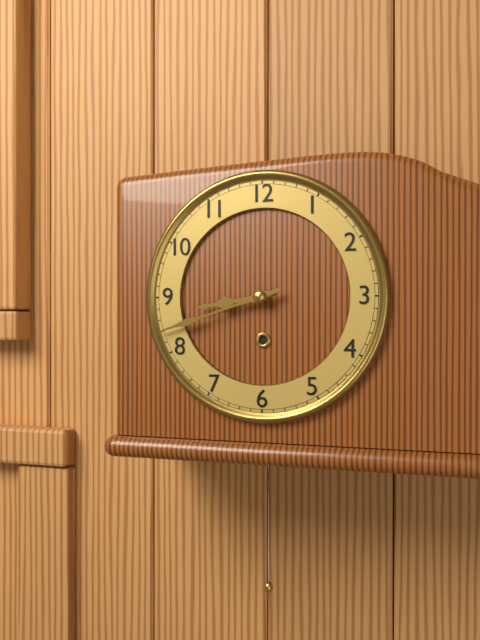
8:42
